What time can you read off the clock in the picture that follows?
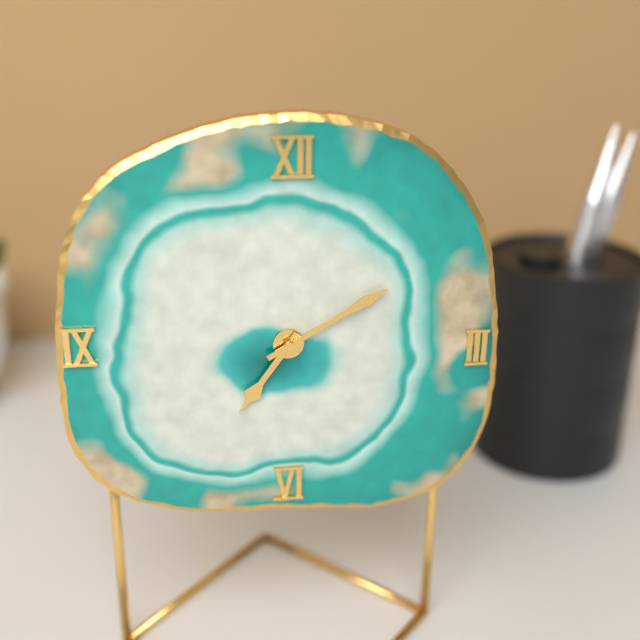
7:10
